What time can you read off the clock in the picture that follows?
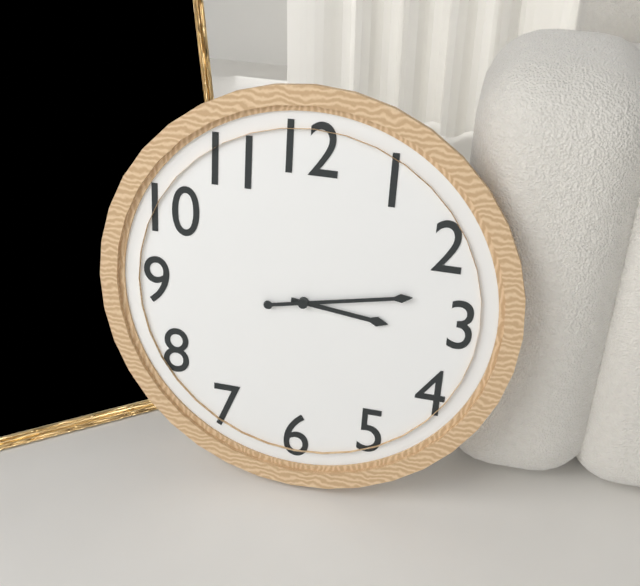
3:13
